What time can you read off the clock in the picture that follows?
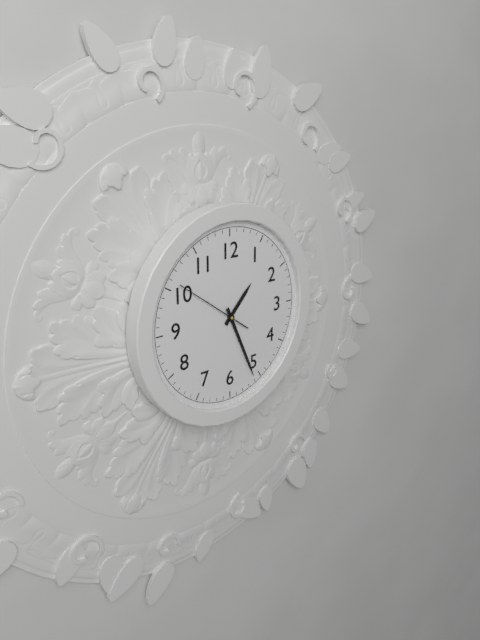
1:26:51
